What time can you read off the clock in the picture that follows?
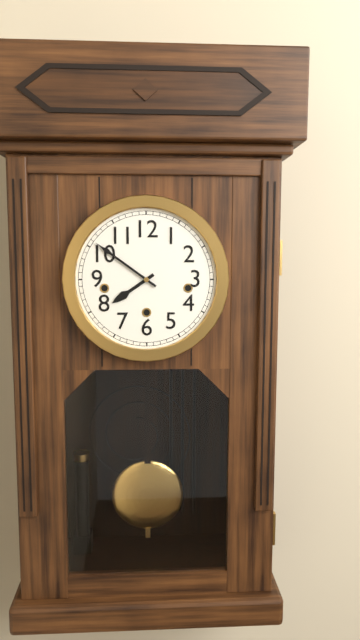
7:51
